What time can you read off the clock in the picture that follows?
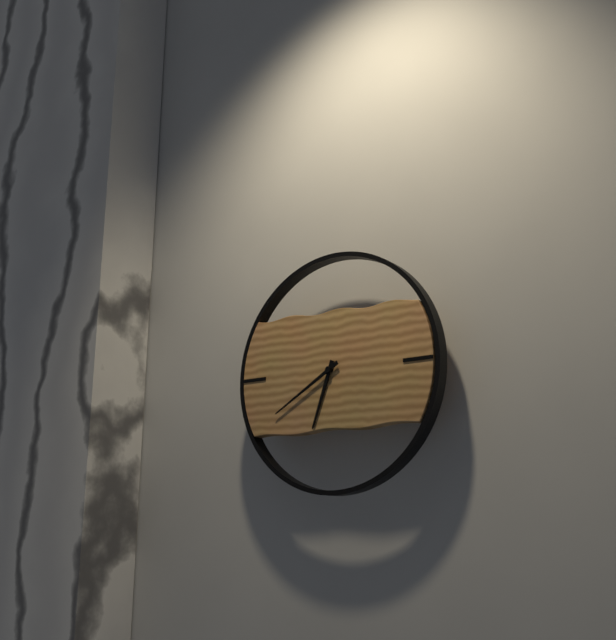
6:40
